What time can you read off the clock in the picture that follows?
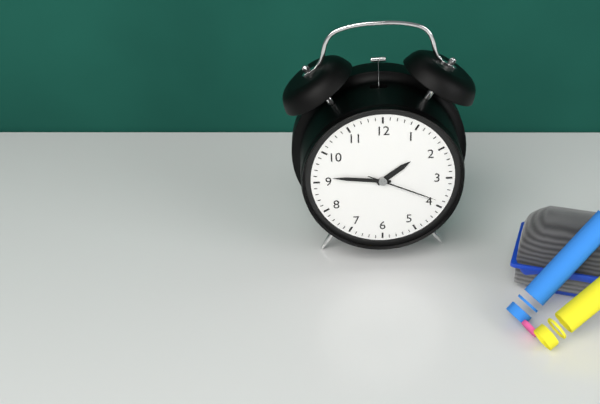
1:46:19
